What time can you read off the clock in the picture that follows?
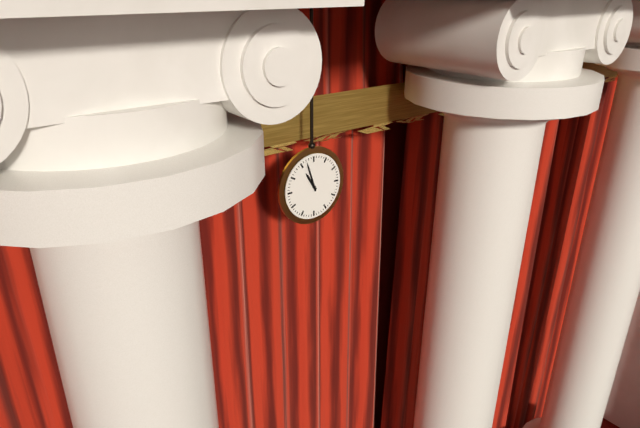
10:57
